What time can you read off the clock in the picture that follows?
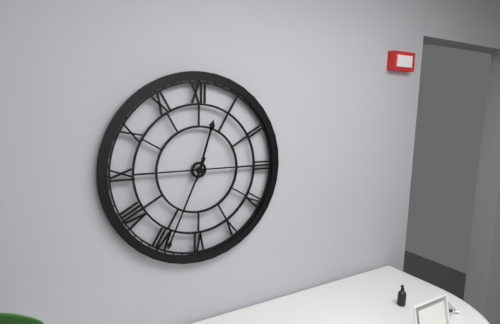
12:34
